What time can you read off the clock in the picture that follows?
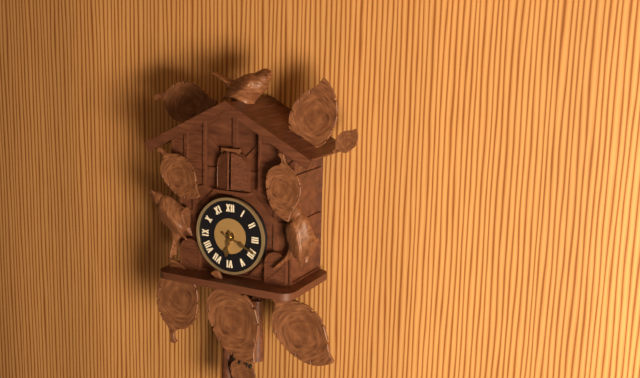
6:19
